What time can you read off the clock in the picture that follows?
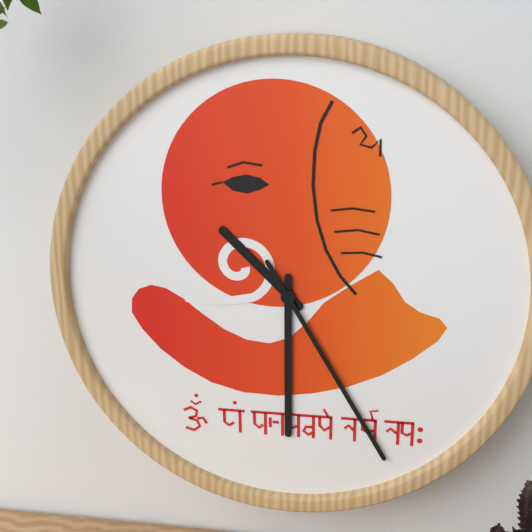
10:30:25
